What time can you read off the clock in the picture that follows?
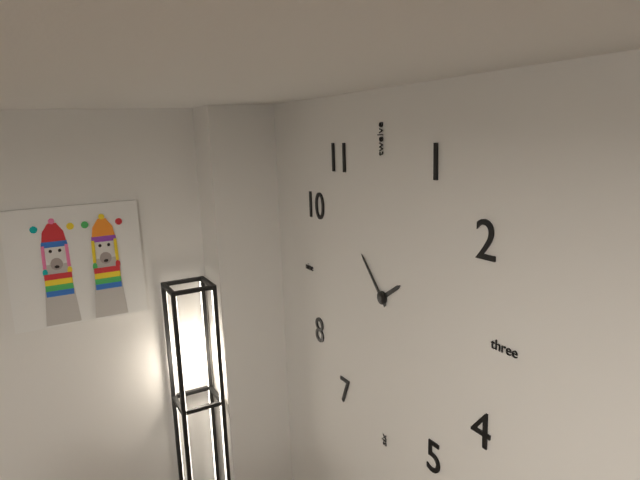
1:53
